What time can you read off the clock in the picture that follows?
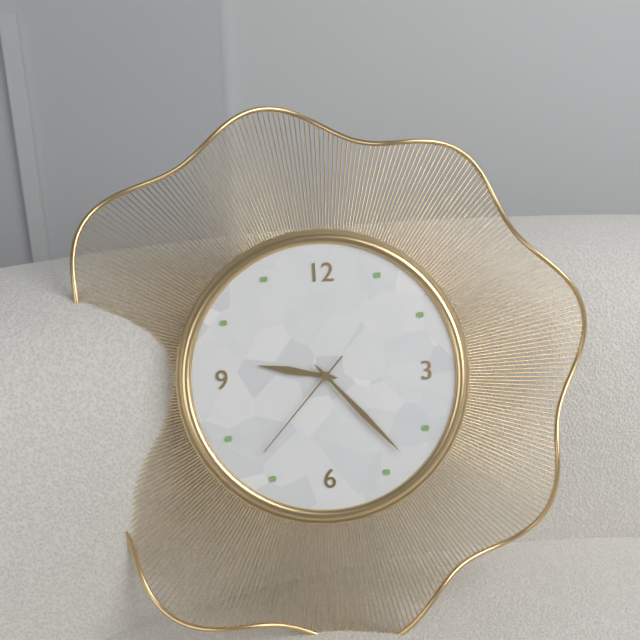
9:23:37
